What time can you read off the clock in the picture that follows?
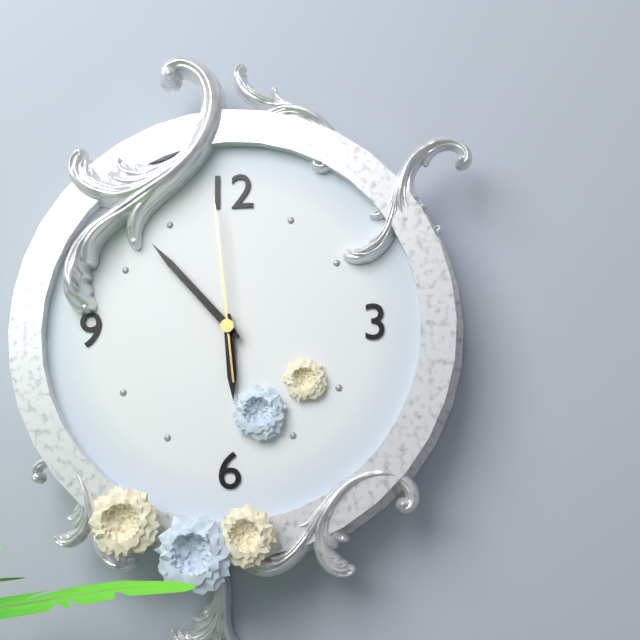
5:53:59
